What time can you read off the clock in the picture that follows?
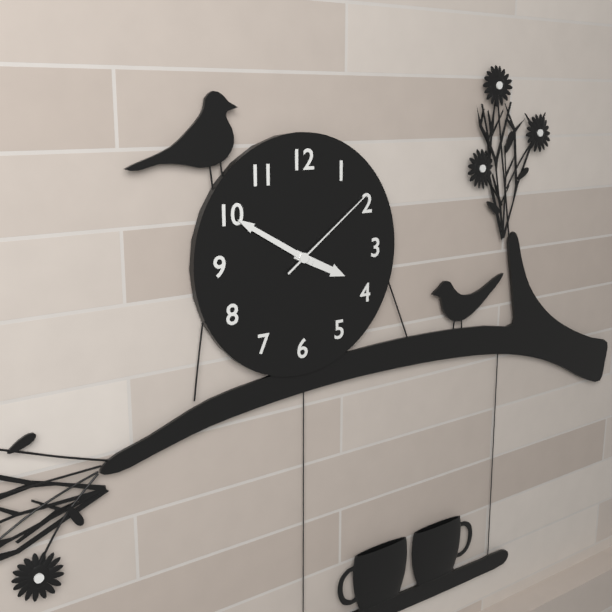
3:50:09
